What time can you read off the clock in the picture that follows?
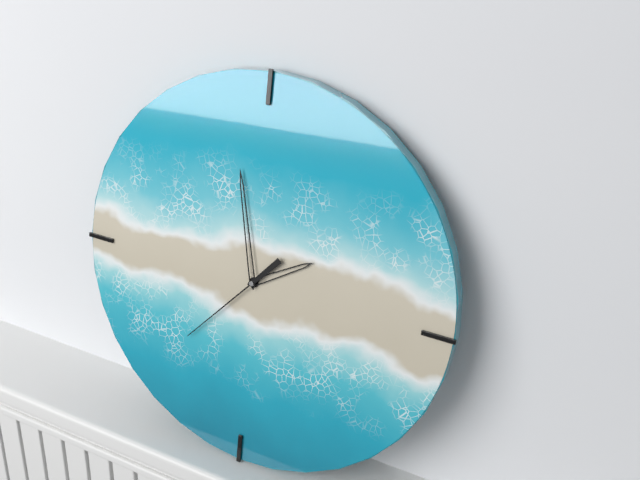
1:58:37
